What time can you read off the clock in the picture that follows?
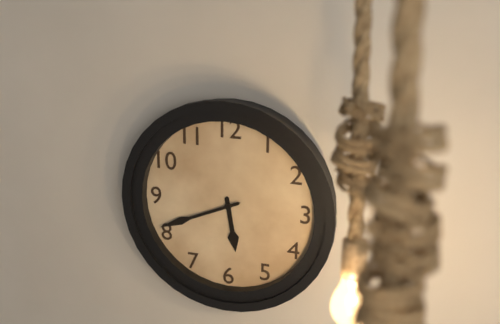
5:41
